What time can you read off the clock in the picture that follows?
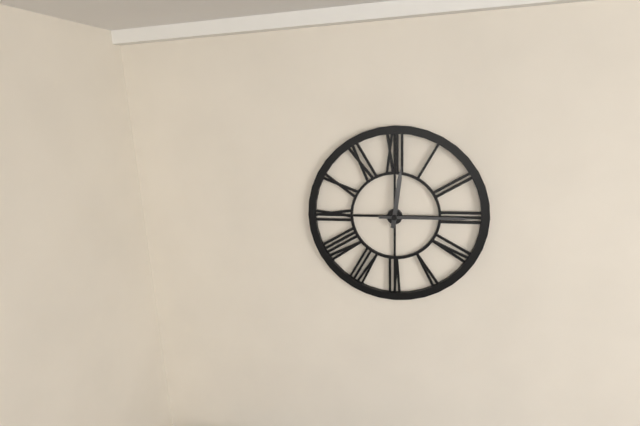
12:15
